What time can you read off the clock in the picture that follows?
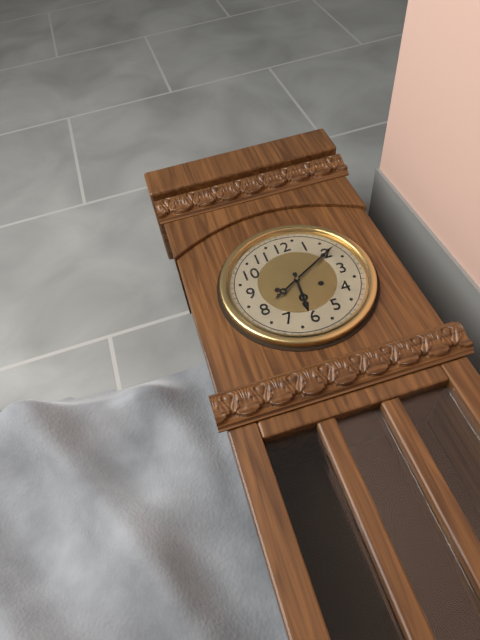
6:10
